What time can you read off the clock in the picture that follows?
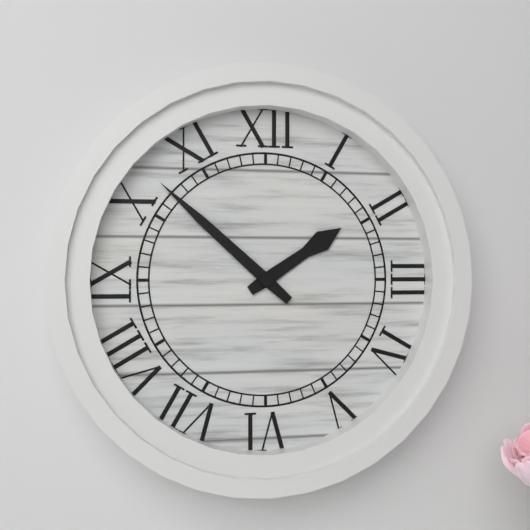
1:52
